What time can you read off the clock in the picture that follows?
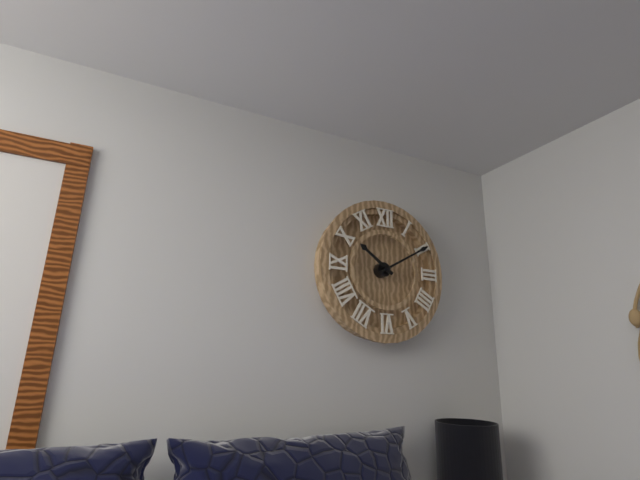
10:10
